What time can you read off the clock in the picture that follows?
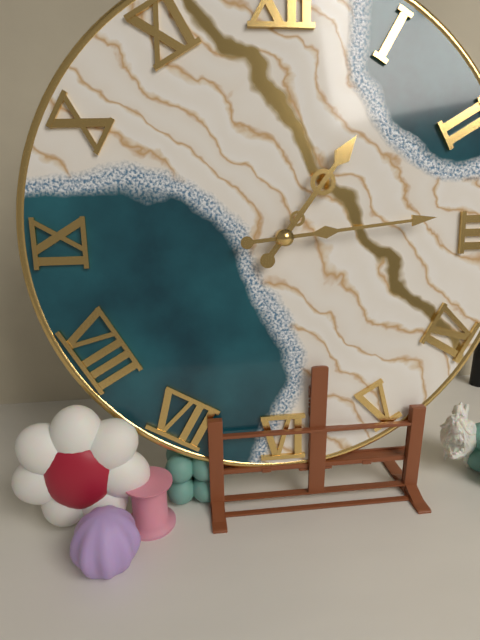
1:14
